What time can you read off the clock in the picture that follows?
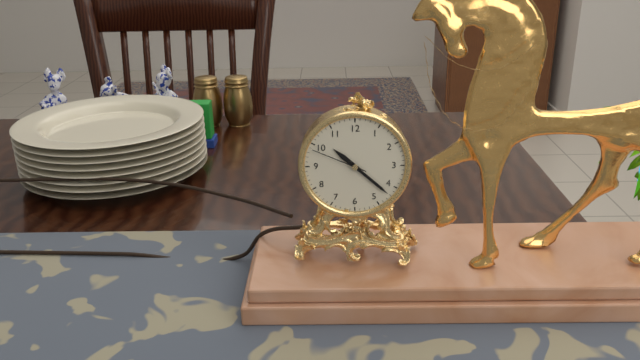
10:22:49
